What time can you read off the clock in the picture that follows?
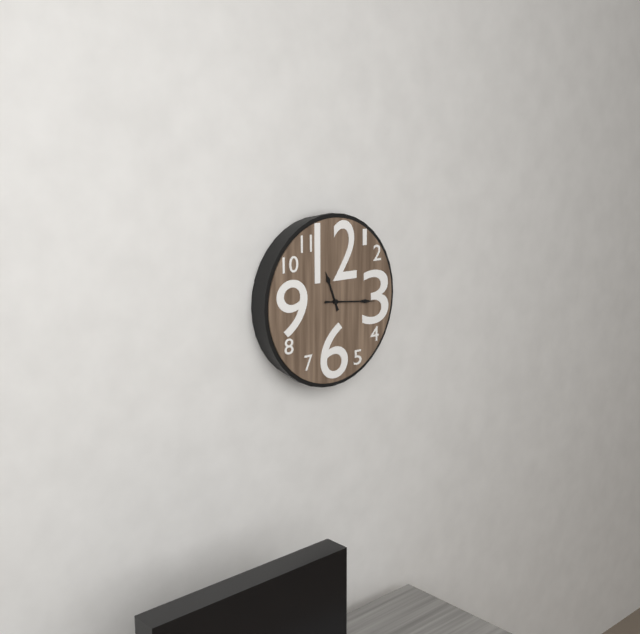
11:16
